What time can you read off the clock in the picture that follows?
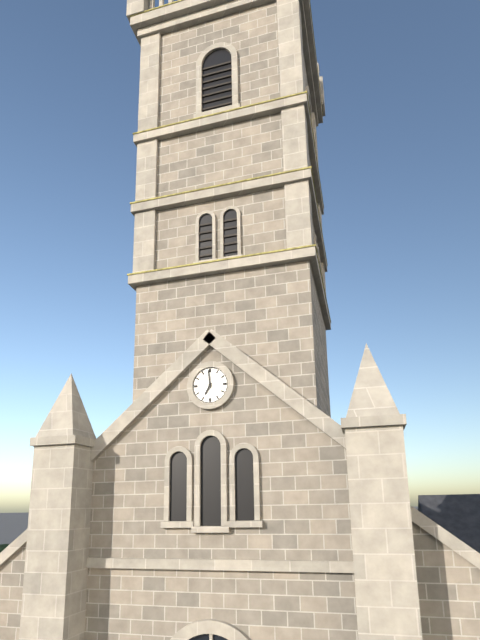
6:59
